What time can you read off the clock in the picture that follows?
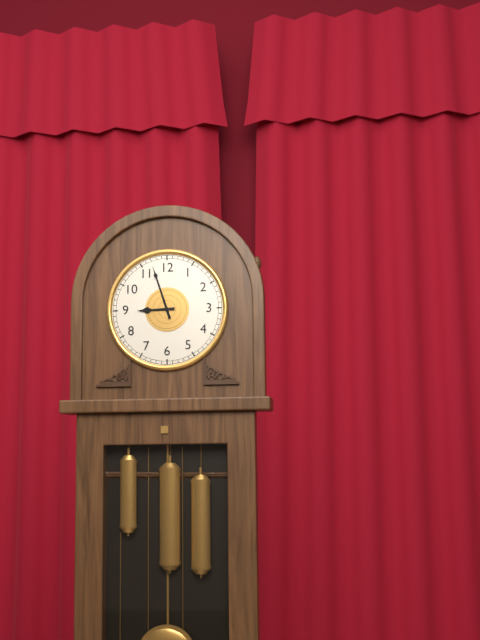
8:57
